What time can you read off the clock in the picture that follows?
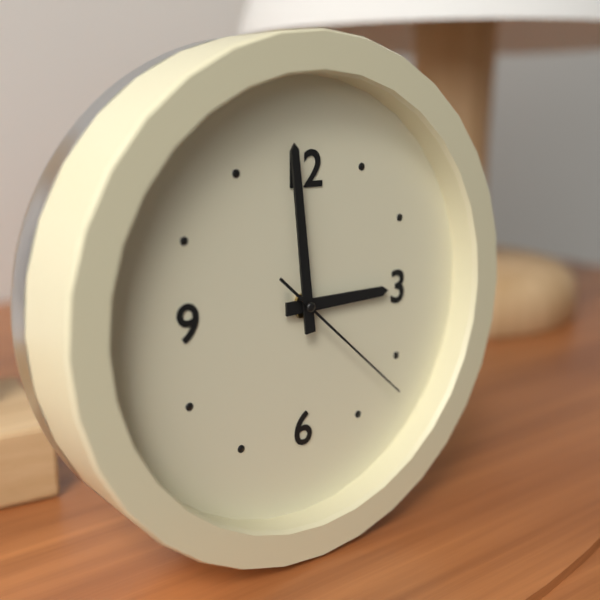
2:59:22
